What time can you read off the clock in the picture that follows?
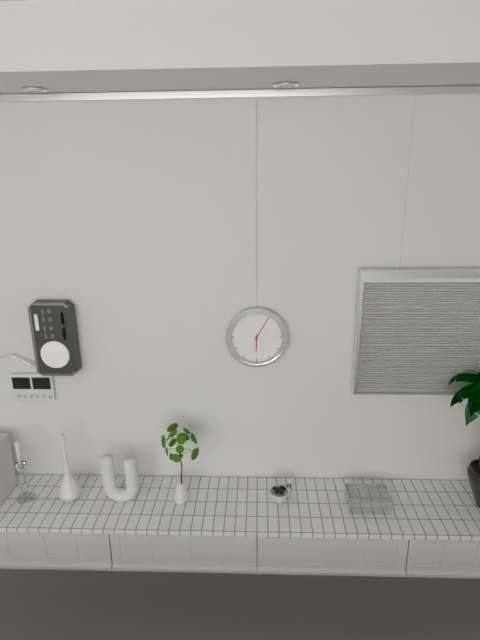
6:05
